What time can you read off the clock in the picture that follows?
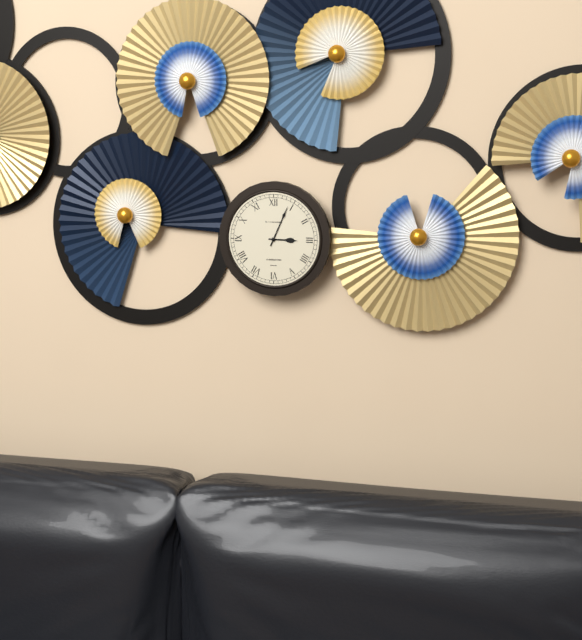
3:04
